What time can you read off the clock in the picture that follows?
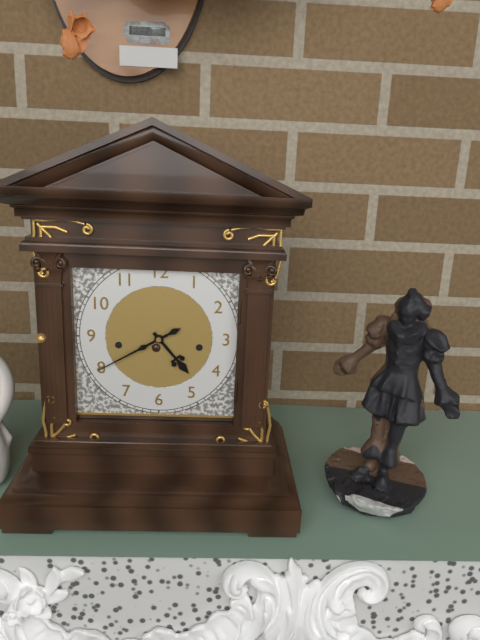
4:40
